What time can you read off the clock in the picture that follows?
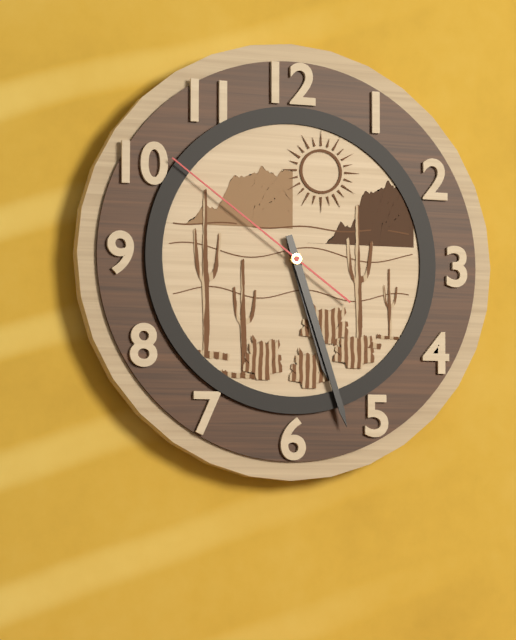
5:27:51
